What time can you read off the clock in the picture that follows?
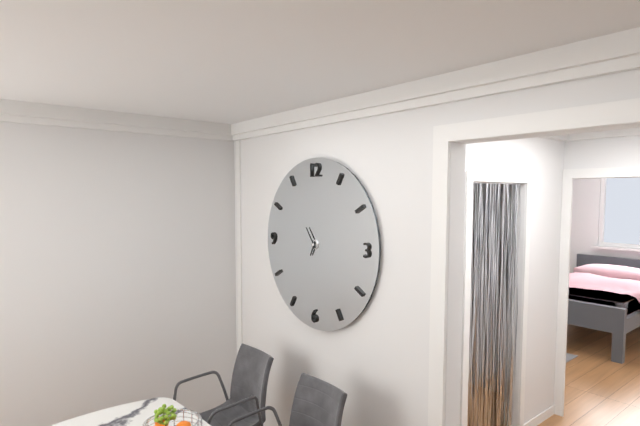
6:54
